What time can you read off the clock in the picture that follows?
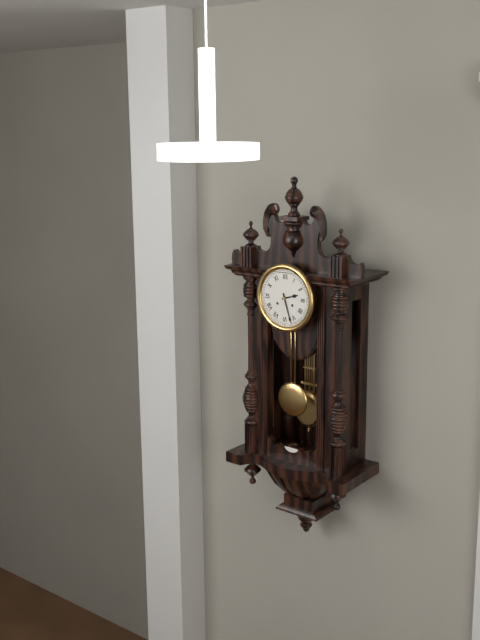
2:27
